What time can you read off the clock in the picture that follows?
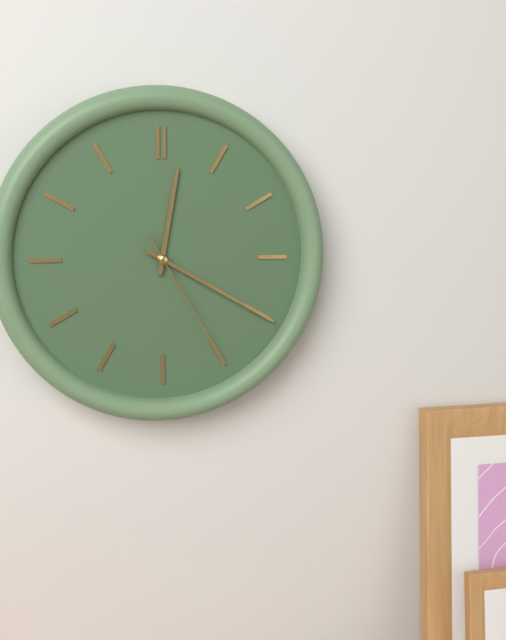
12:20:25
